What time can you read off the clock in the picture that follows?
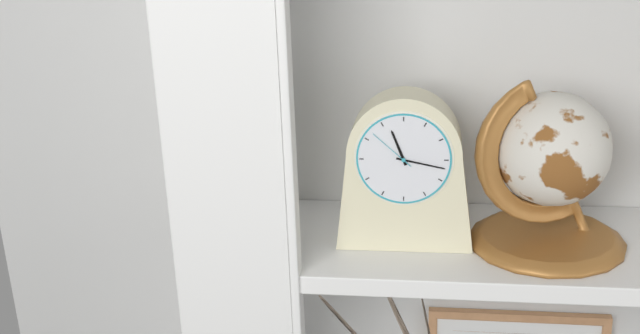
11:17:52
